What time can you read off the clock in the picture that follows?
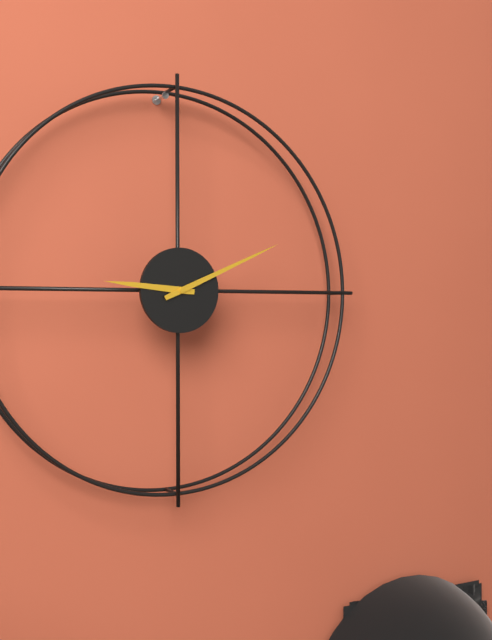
9:11
